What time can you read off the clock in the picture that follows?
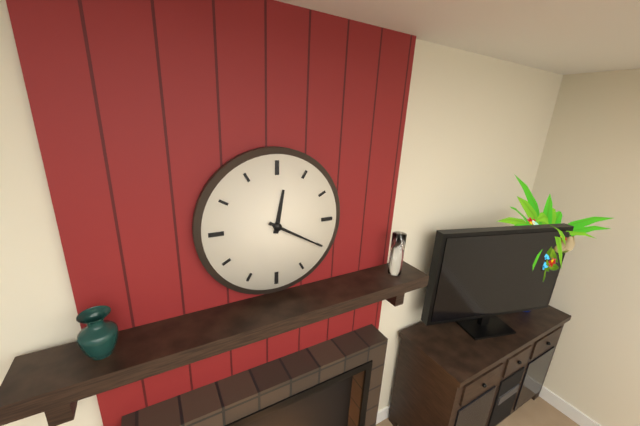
12:20
